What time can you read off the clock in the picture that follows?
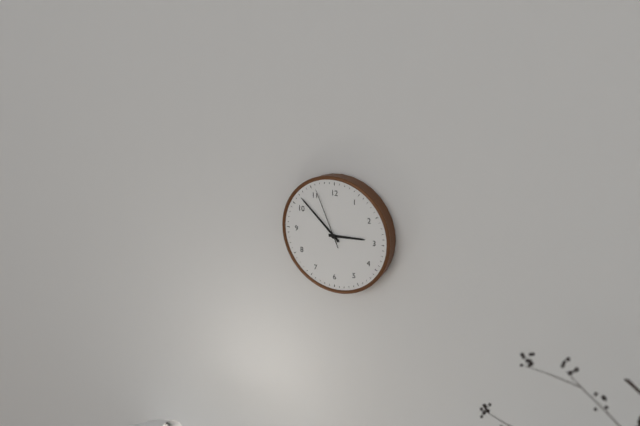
2:52:56
